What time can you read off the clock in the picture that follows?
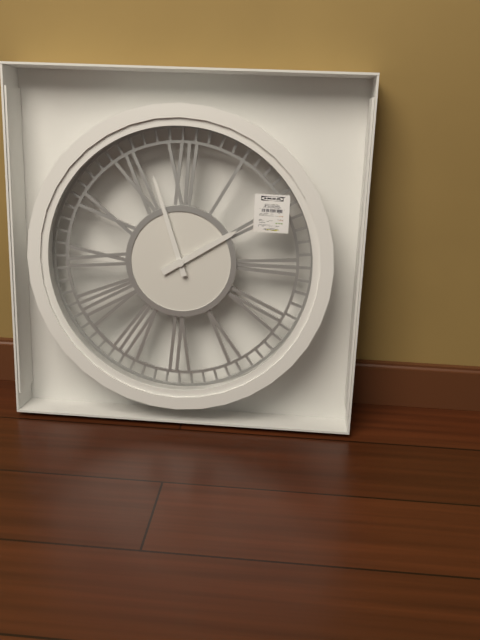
1:57
